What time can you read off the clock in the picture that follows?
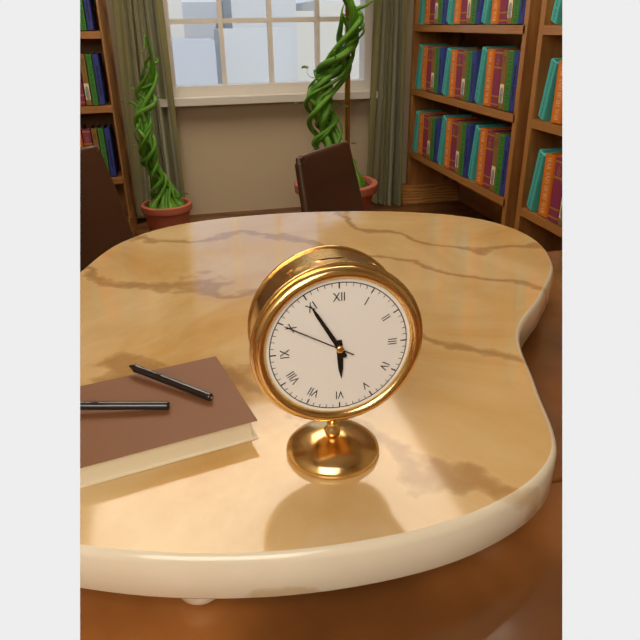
5:55:50
